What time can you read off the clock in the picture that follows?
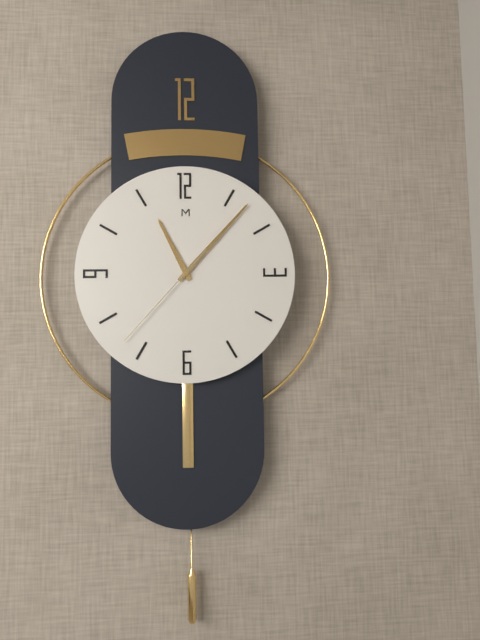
11:07:37
